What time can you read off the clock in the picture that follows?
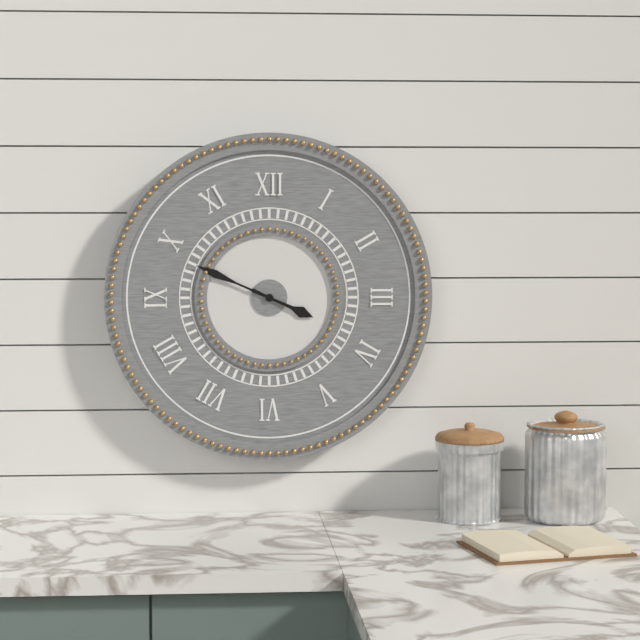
3:49
